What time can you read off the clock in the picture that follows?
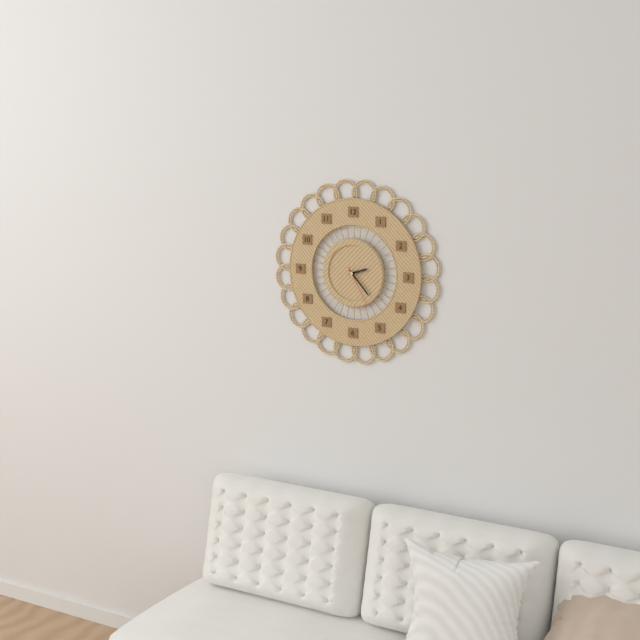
2:23
